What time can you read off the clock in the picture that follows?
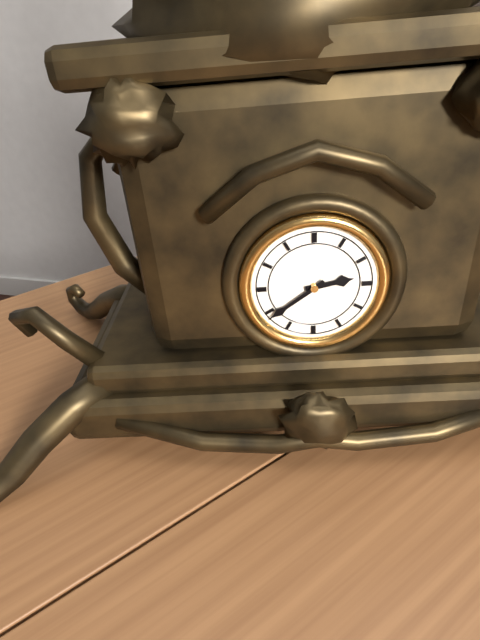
2:39
